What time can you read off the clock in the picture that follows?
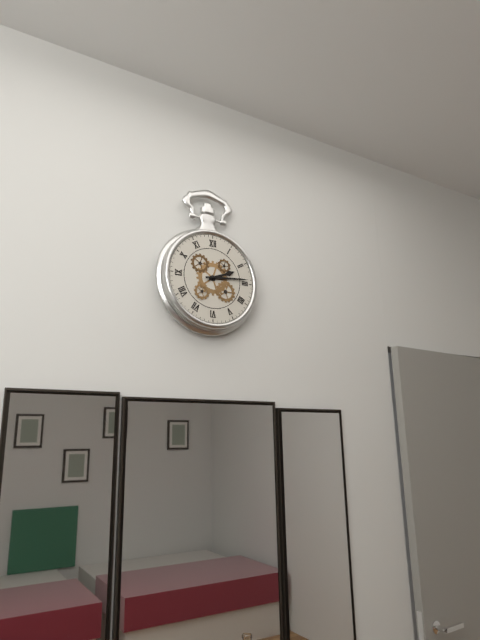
2:14
